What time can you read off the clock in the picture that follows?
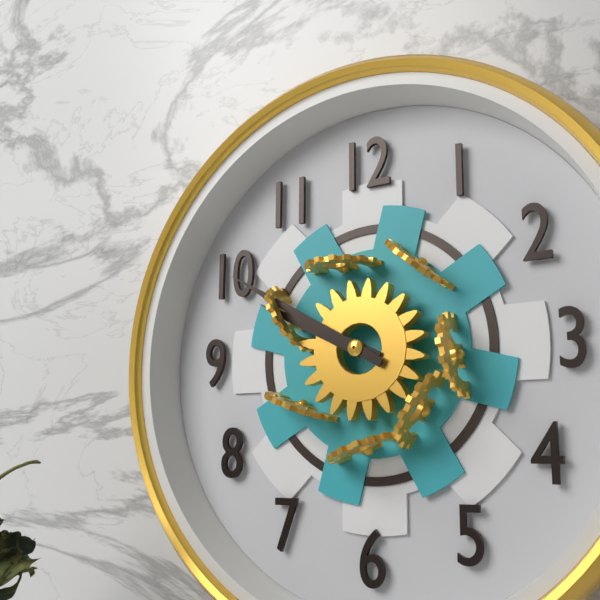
9:50
